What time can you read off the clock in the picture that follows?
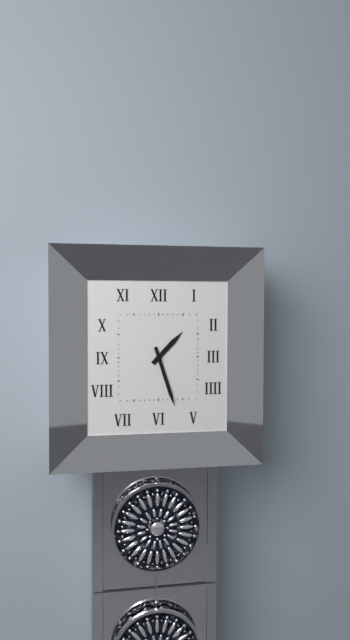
1:27
